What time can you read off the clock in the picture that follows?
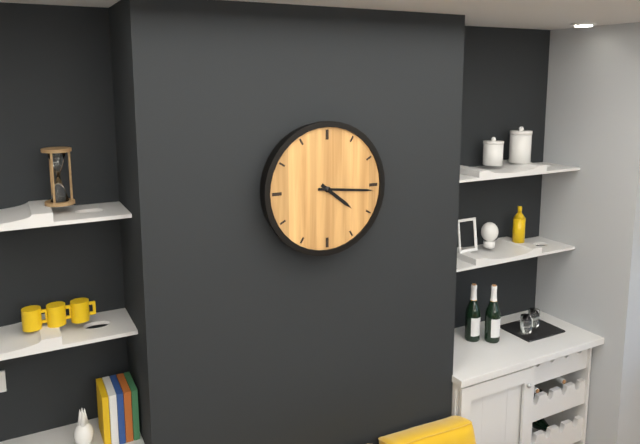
4:16
